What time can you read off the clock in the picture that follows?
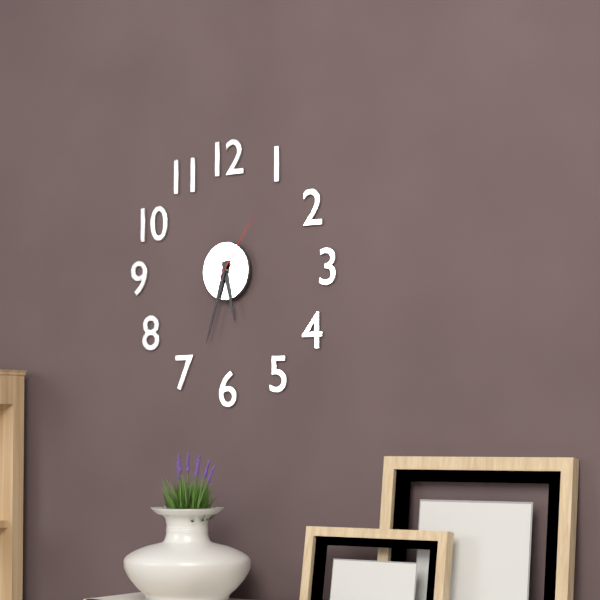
5:33:06
